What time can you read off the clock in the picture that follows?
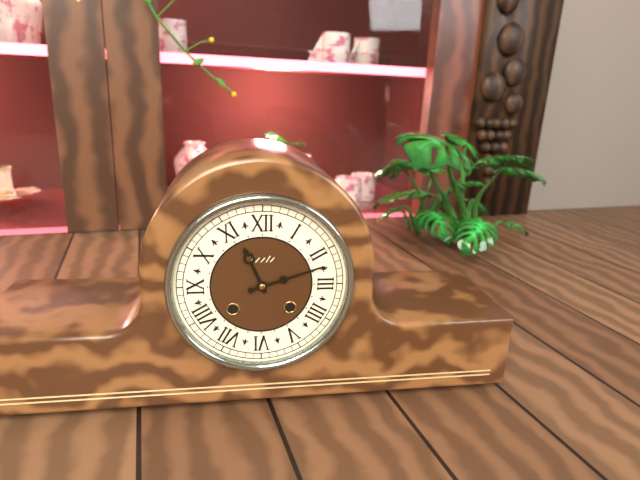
11:12
